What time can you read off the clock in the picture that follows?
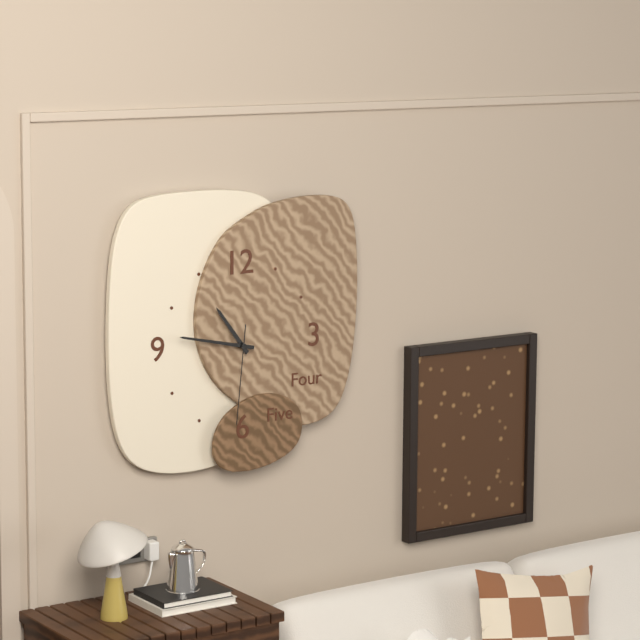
10:47:31
